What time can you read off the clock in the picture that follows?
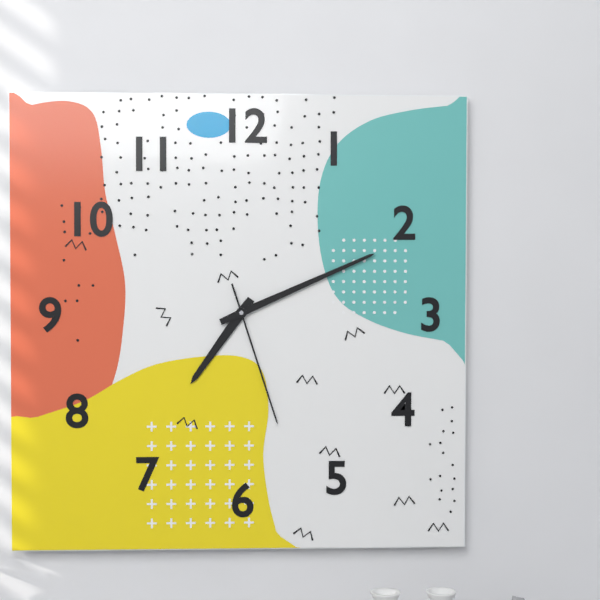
7:11:27
